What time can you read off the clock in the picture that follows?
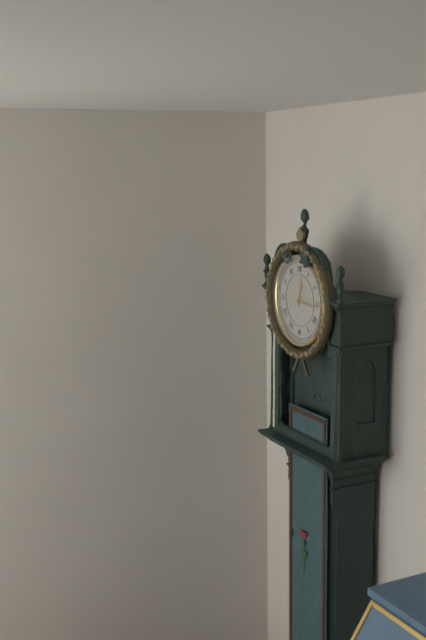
12:16
